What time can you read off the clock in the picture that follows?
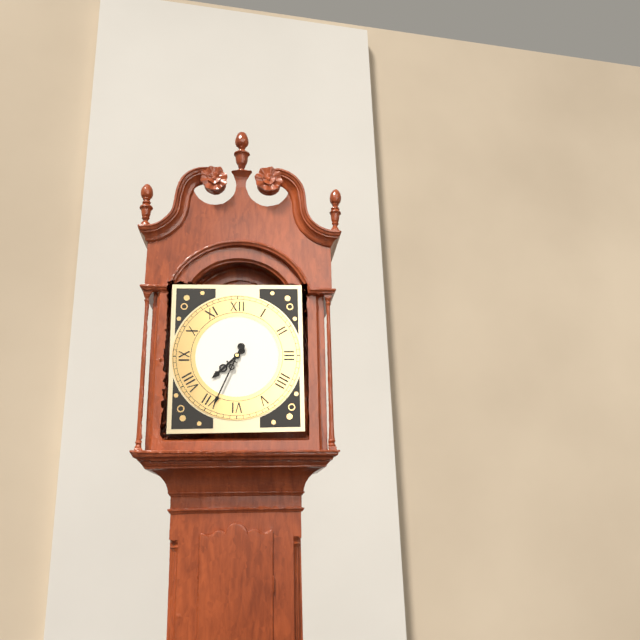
7:34
